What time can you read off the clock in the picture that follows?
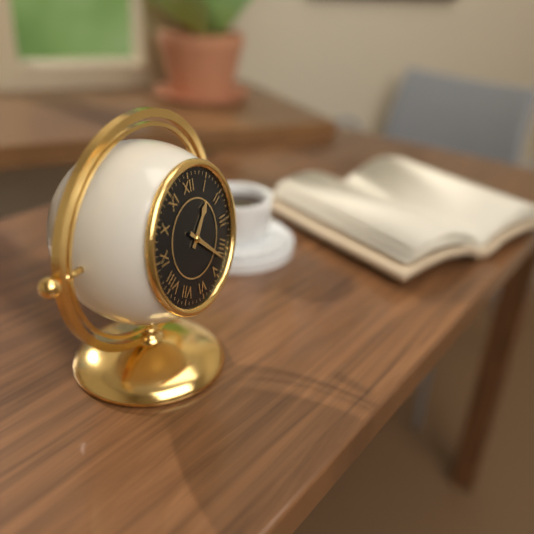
1:22
